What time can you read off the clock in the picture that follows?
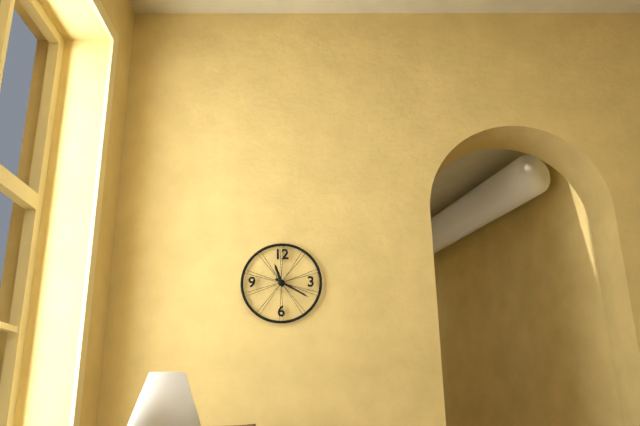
11:20
